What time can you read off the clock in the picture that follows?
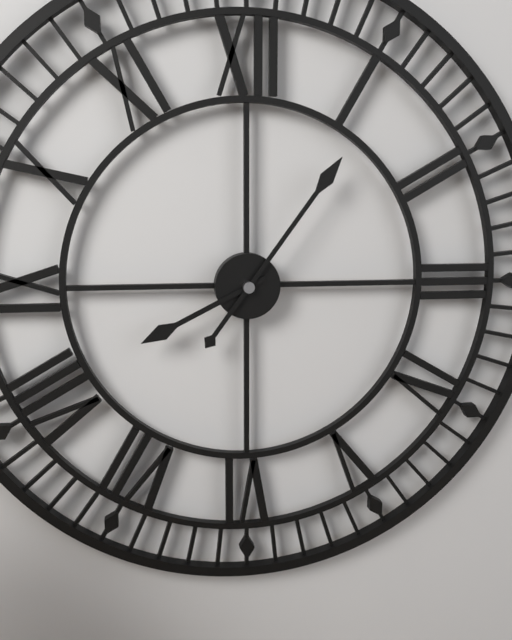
8:06
